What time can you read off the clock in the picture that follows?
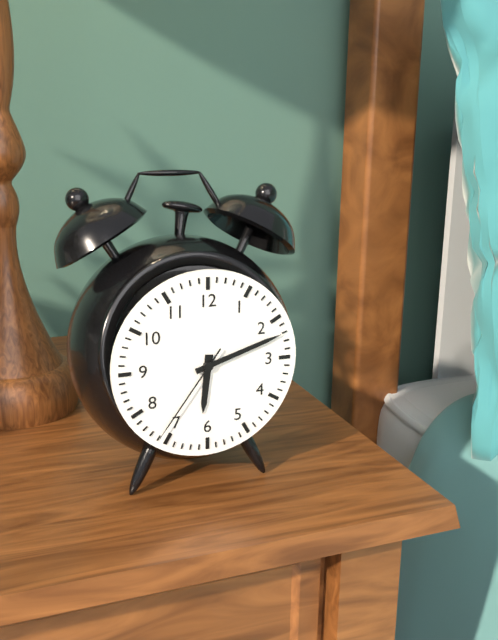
6:12:36
